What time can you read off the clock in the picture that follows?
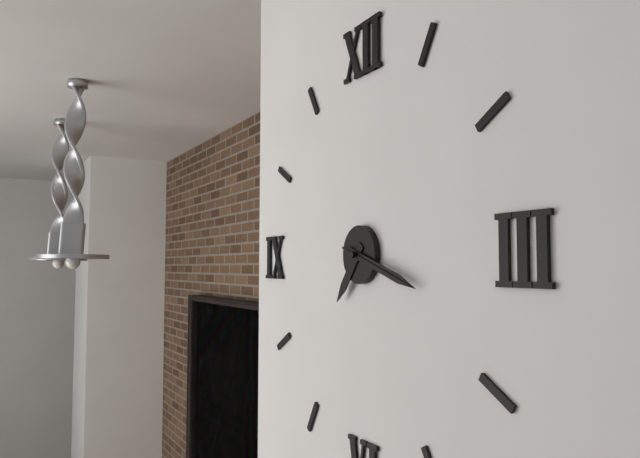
7:18:18
